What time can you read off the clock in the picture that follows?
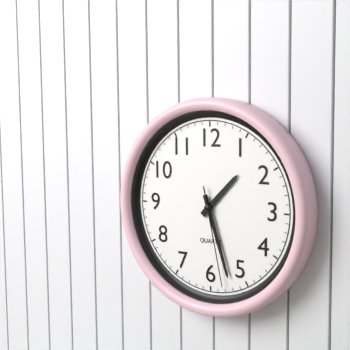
1:27:28
